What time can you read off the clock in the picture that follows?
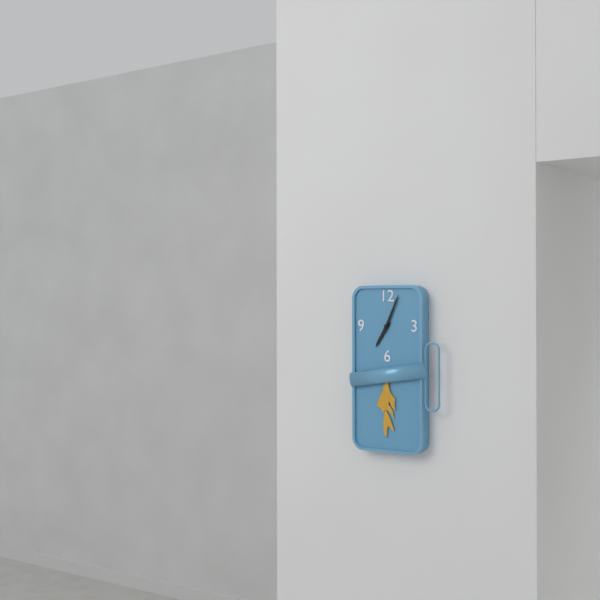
7:04
